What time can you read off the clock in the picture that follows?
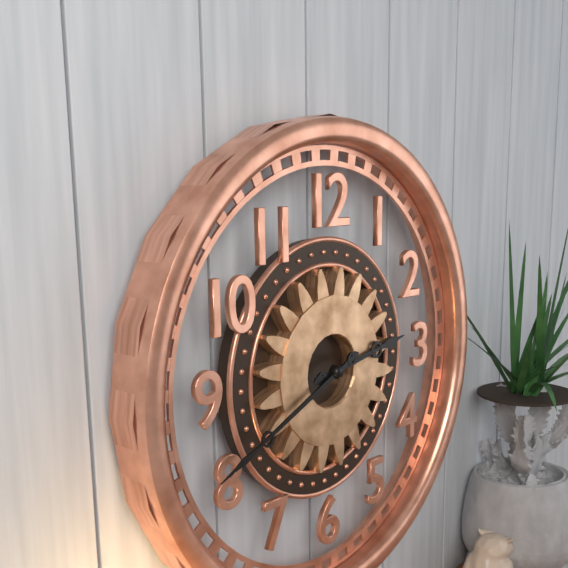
2:41
